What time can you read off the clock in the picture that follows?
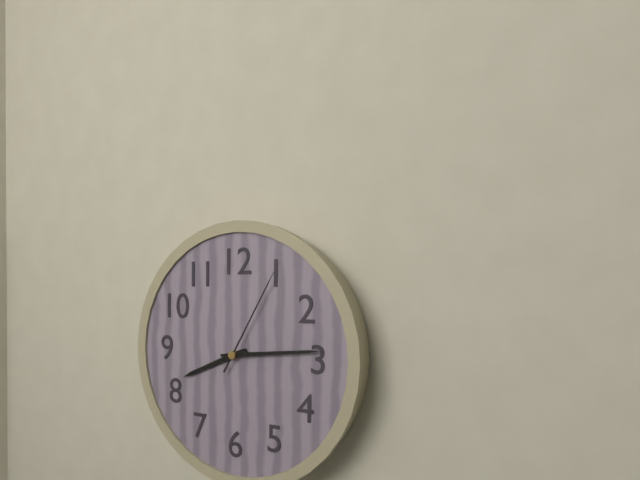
8:14:05
